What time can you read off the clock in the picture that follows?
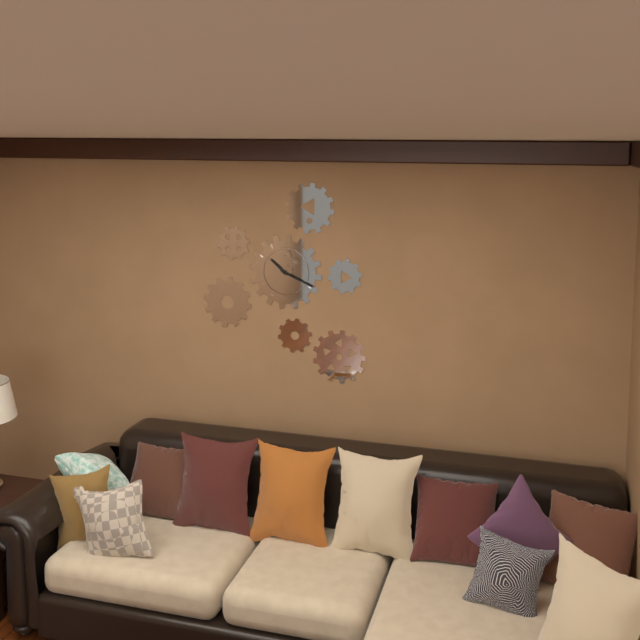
10:19
